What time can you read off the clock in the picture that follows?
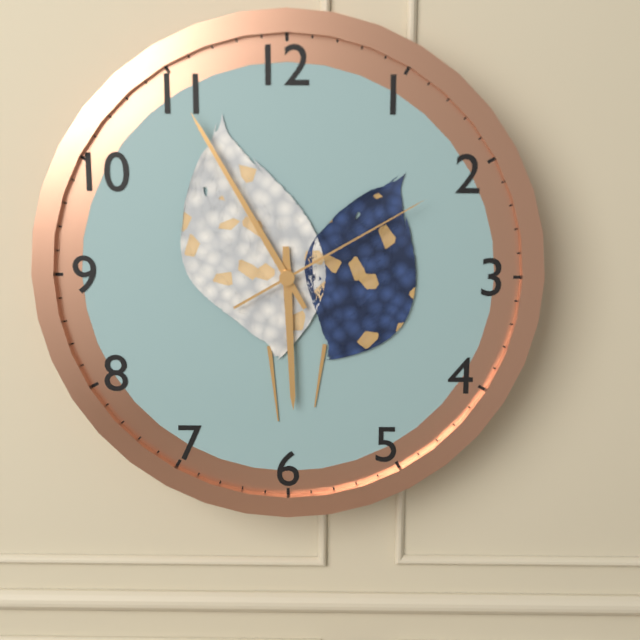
5:55:10
